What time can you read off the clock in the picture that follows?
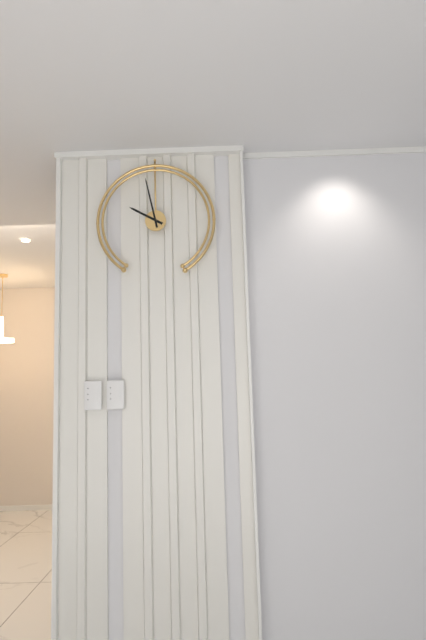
9:58
